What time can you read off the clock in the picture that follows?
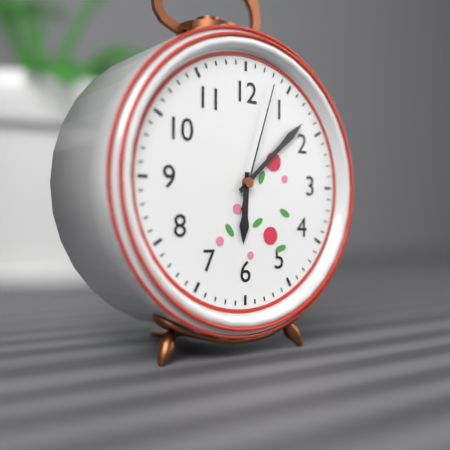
6:08:03
